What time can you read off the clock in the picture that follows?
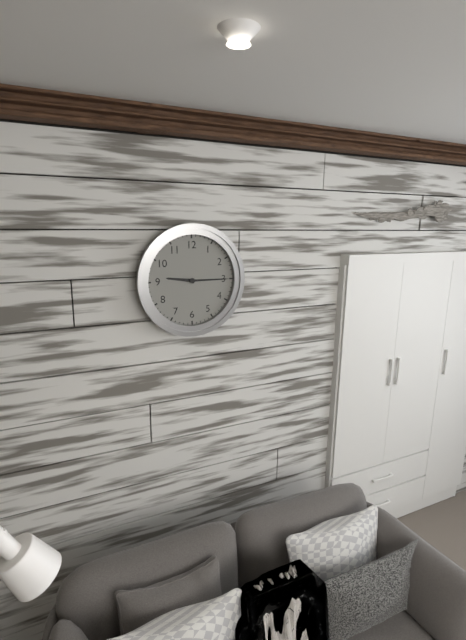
9:15
